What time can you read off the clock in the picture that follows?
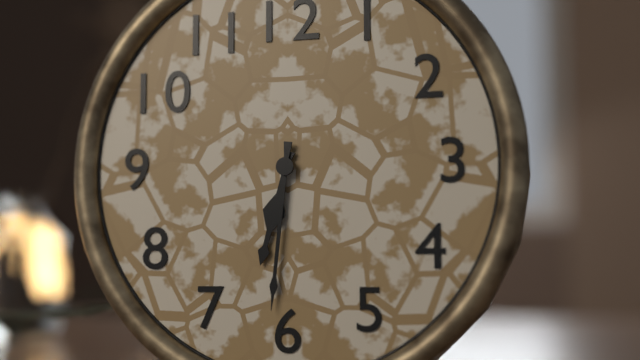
6:31
